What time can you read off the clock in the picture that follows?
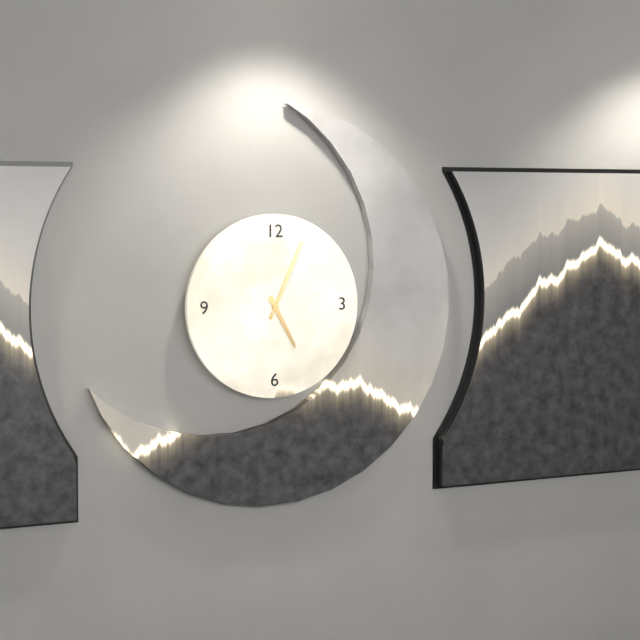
5:04
